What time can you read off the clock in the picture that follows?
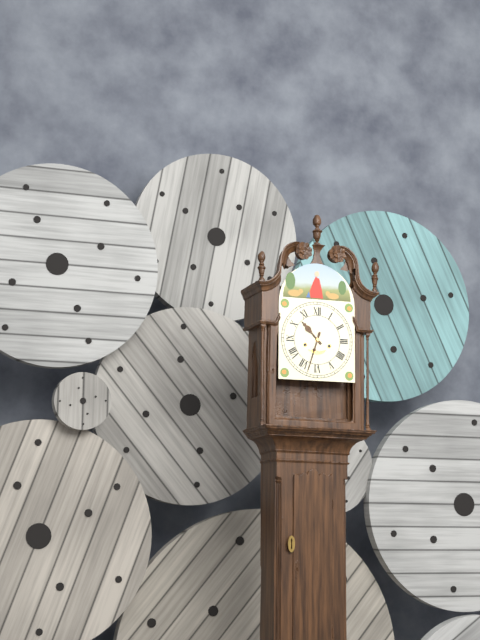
10:33
